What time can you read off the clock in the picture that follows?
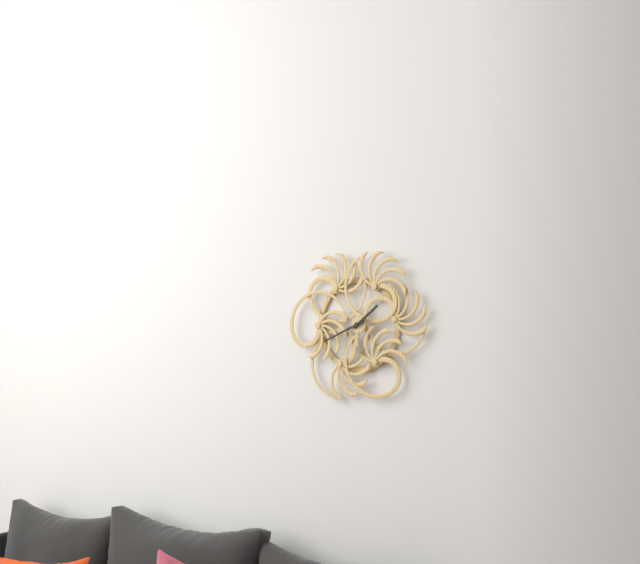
1:41
